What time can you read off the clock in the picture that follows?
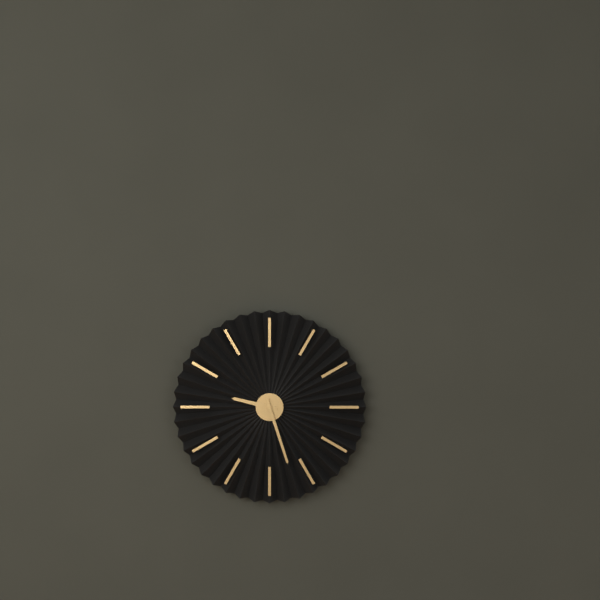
9:27
